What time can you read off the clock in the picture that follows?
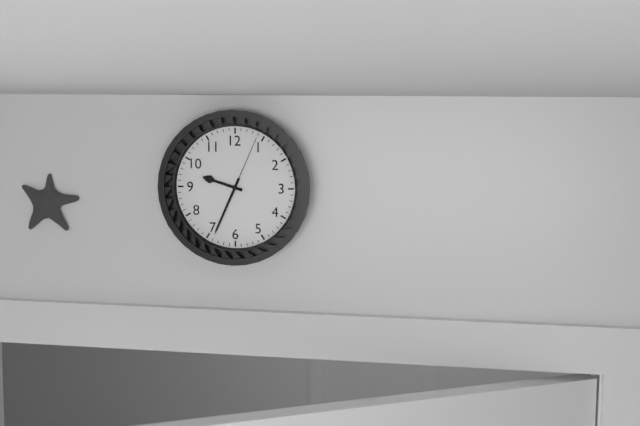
9:34:04
